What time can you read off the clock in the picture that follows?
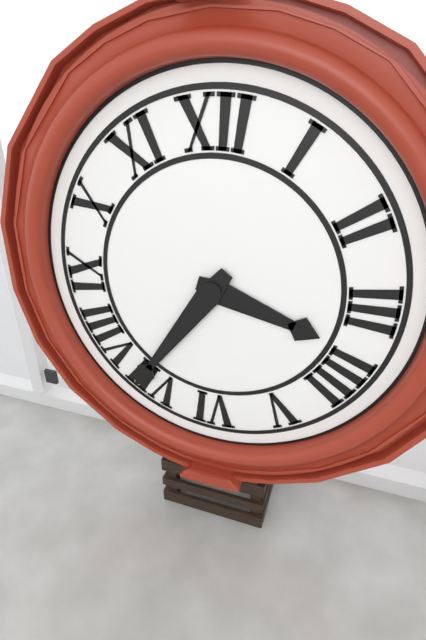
3:36
